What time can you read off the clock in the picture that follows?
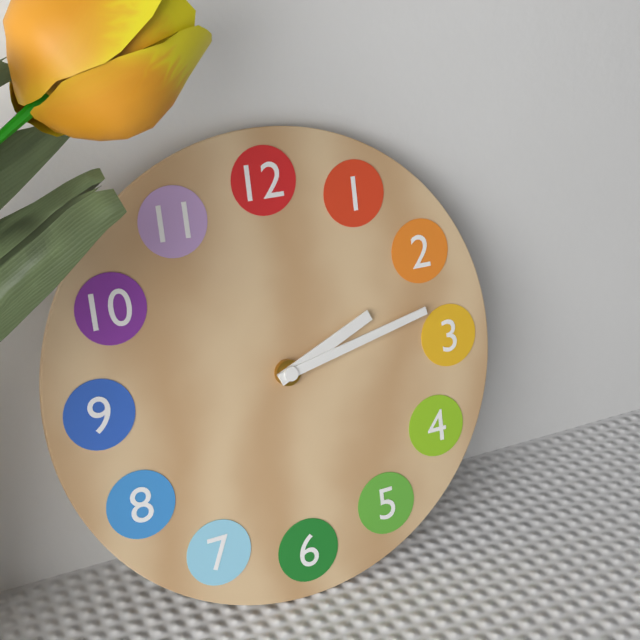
2:13
